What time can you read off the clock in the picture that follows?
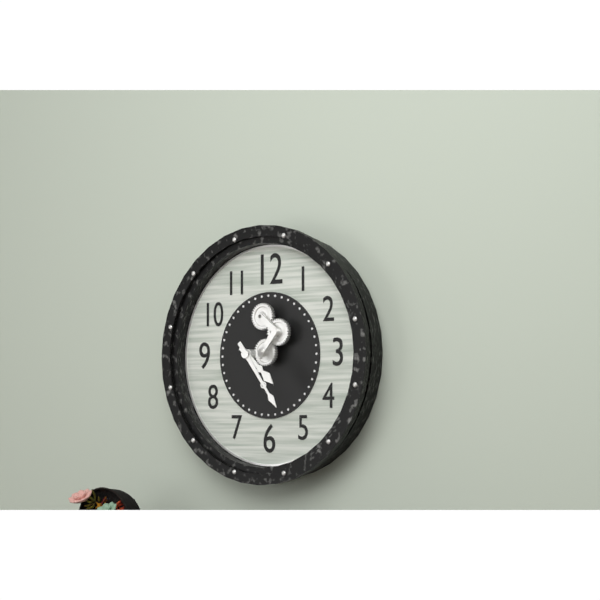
4:24
